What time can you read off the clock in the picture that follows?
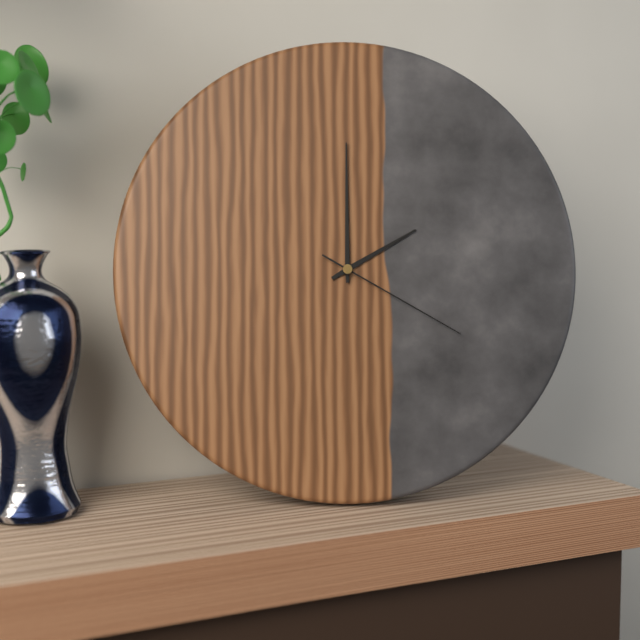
2:00:20
